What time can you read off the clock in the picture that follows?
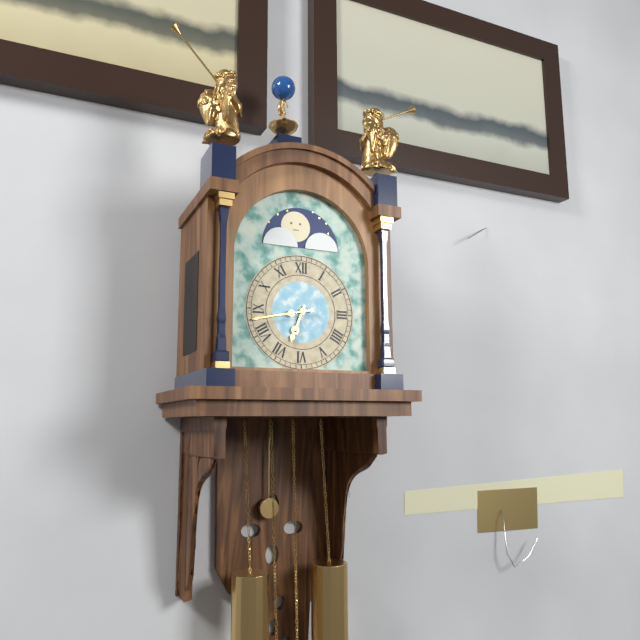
6:43
